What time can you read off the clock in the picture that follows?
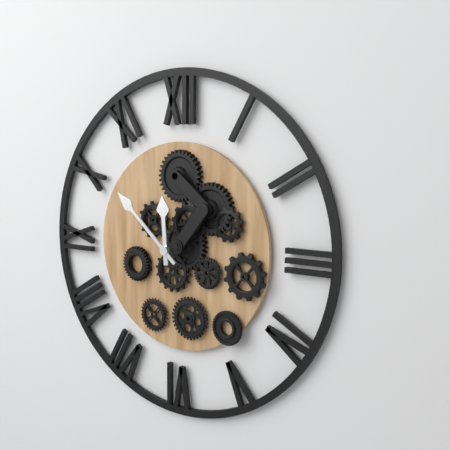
11:52
